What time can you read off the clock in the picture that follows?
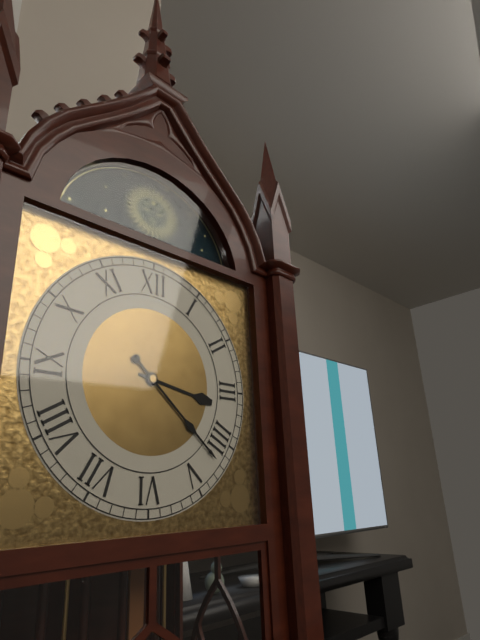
3:22
